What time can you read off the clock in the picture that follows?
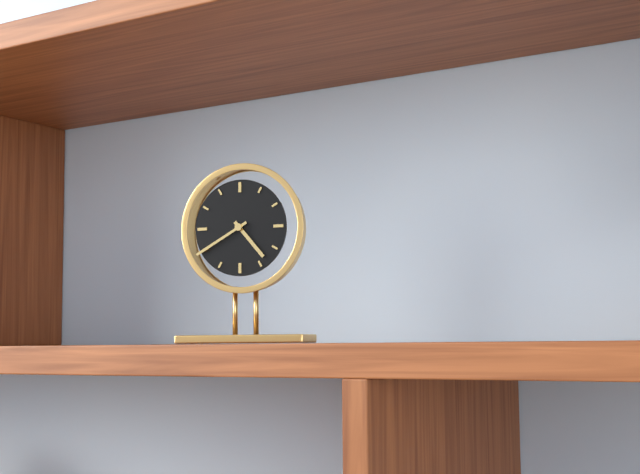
4:40
